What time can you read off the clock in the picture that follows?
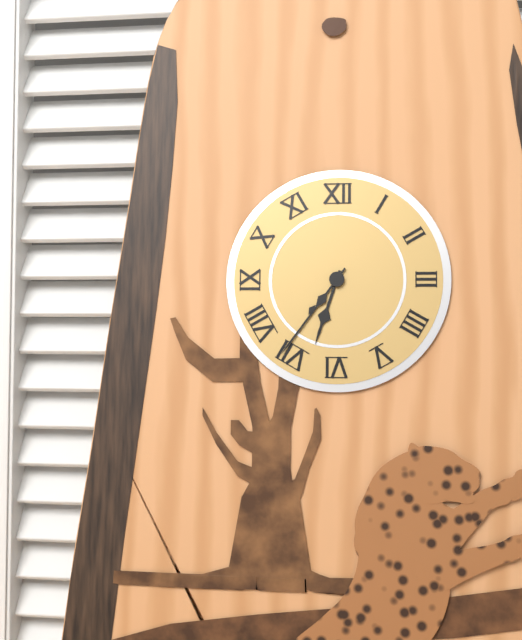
6:36
